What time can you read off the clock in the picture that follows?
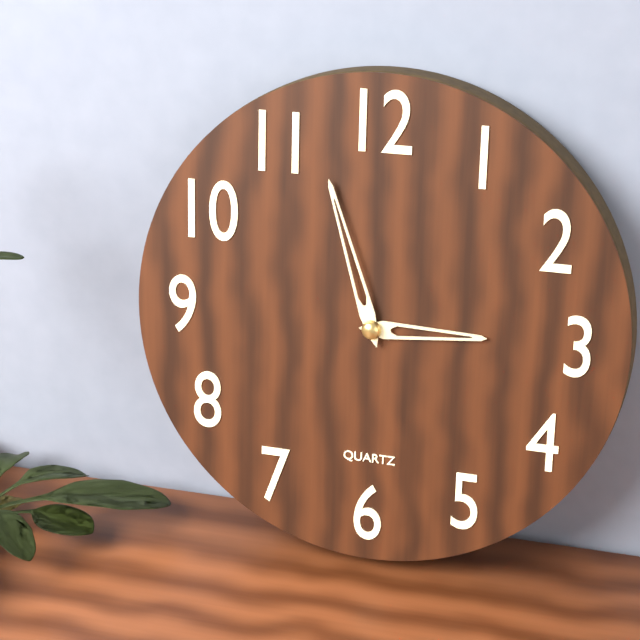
2:57
